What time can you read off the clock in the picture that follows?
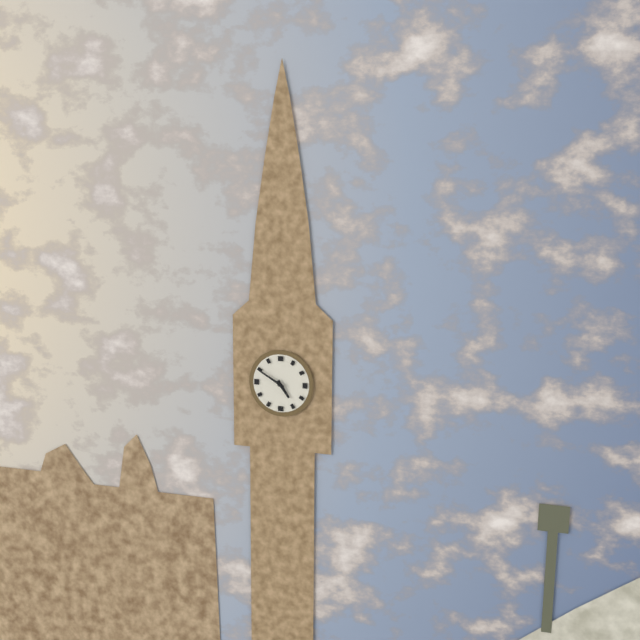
4:50
